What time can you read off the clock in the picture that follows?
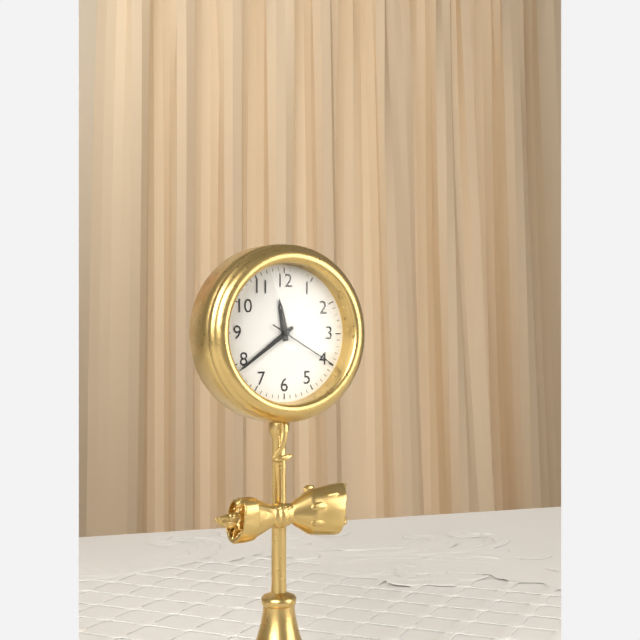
11:39:20
